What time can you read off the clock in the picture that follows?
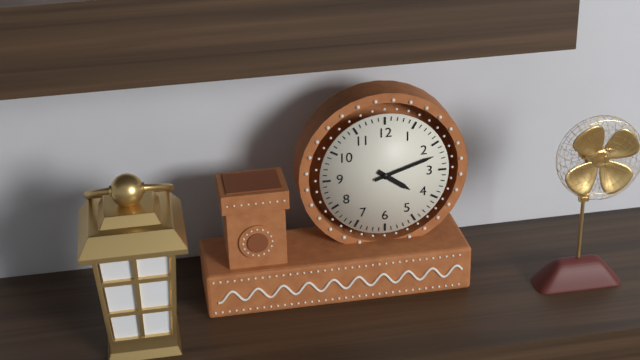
4:12
